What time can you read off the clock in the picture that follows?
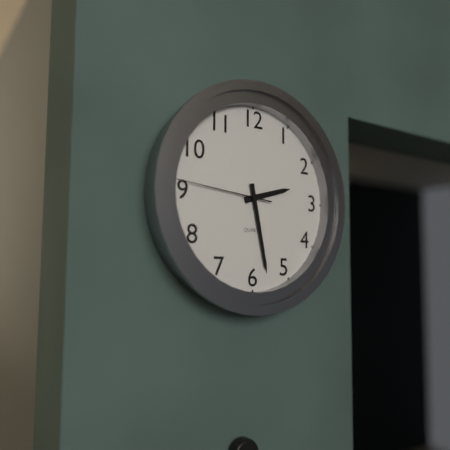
2:28:46
